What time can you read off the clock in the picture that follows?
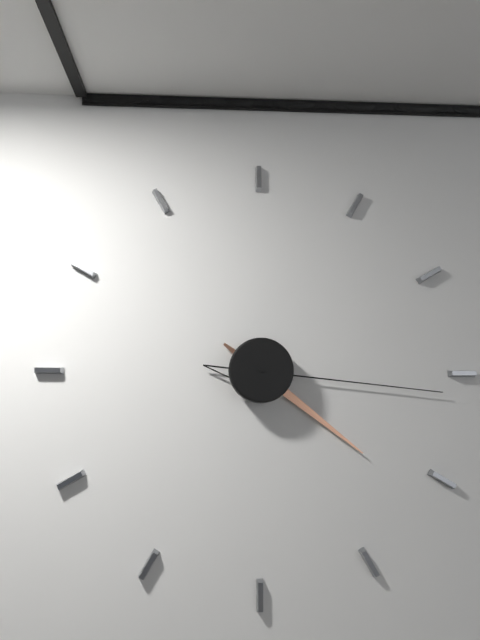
4:16
